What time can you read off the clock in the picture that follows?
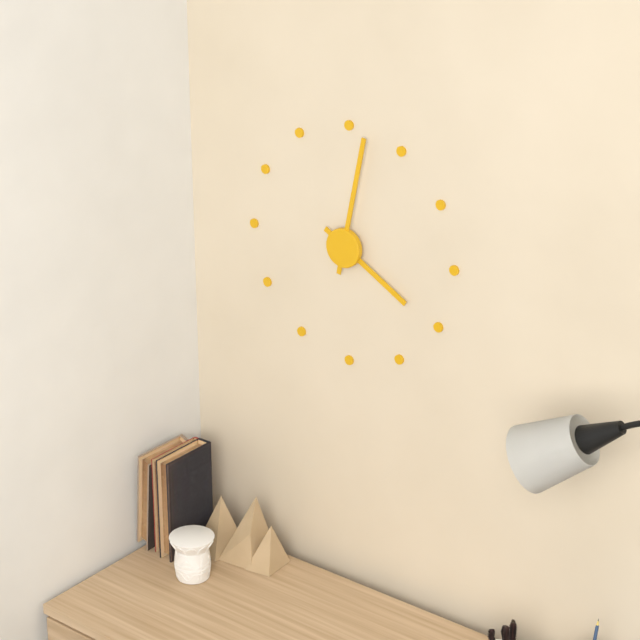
4:02
